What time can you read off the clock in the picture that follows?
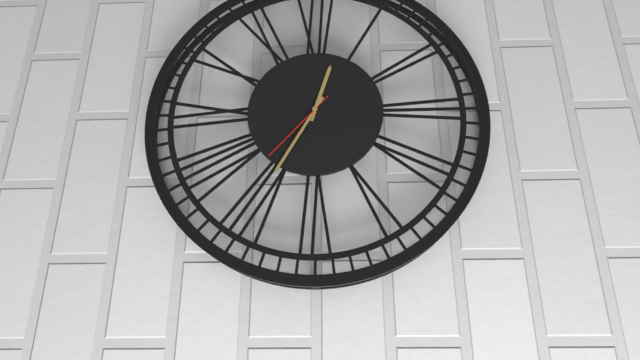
12:35:37
